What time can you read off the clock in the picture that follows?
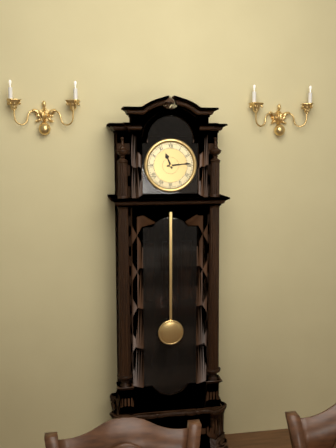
11:14
